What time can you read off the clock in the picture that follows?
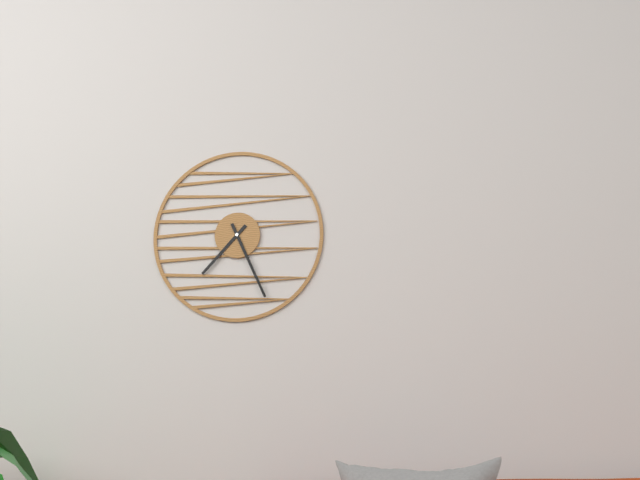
7:26
